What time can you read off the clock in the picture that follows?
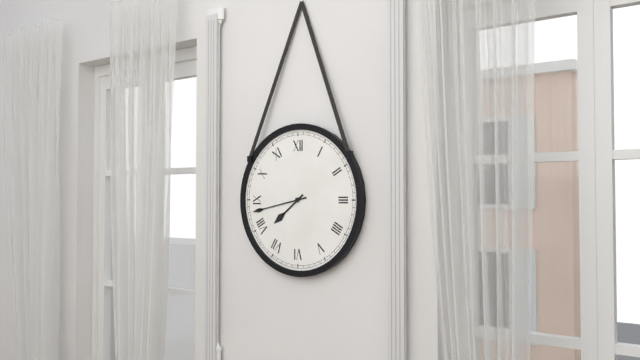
7:43
